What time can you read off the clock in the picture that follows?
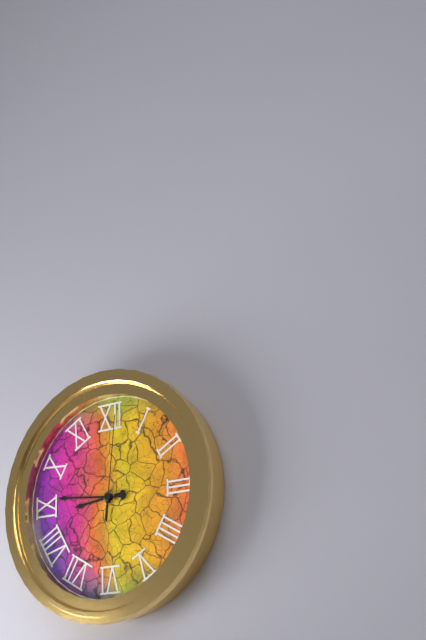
8:46:01
